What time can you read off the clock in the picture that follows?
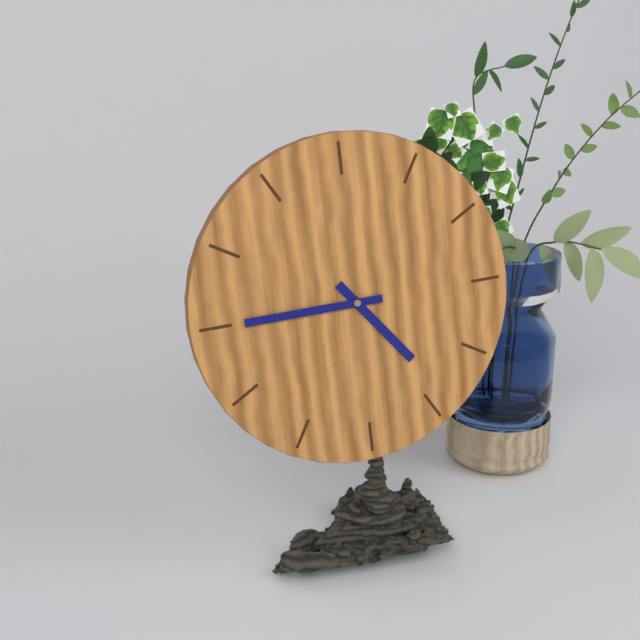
4:45
